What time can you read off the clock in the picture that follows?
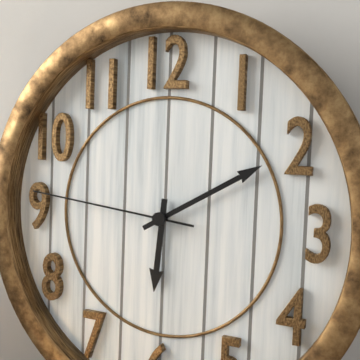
6:10:46
